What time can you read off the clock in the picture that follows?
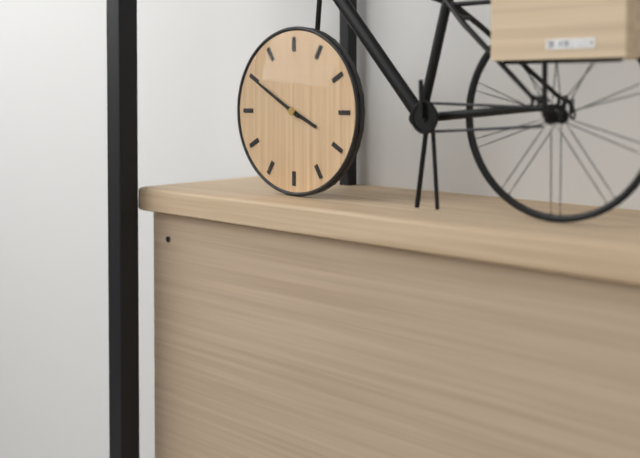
3:50
